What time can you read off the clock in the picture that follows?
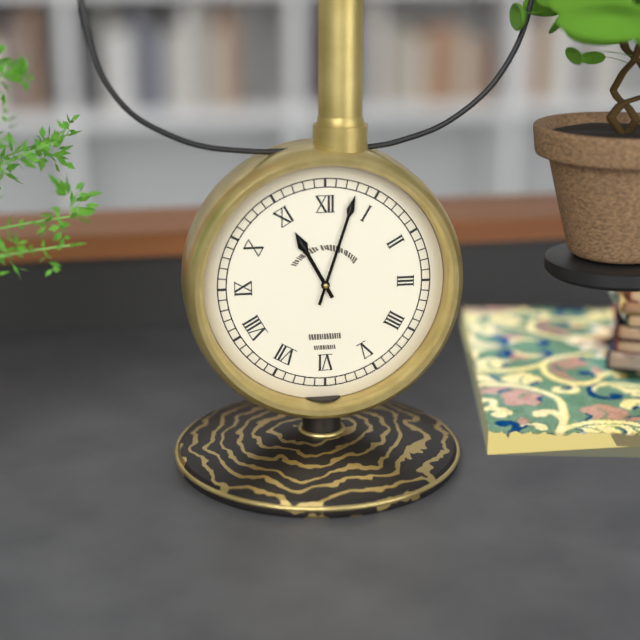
11:03
